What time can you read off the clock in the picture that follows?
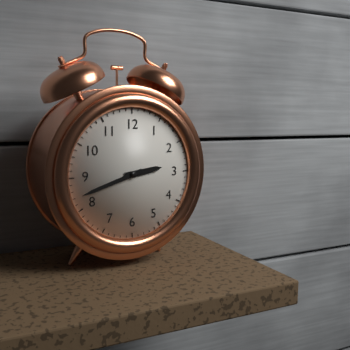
2:42
